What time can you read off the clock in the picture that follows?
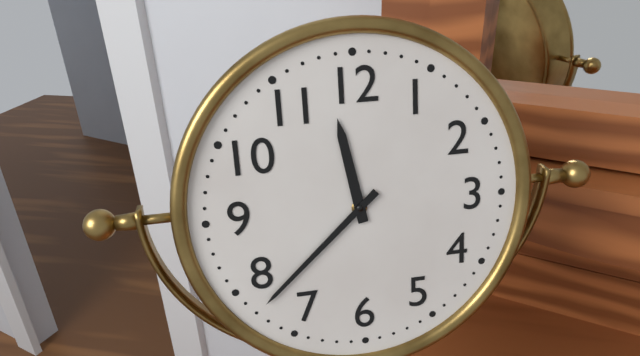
11:38
